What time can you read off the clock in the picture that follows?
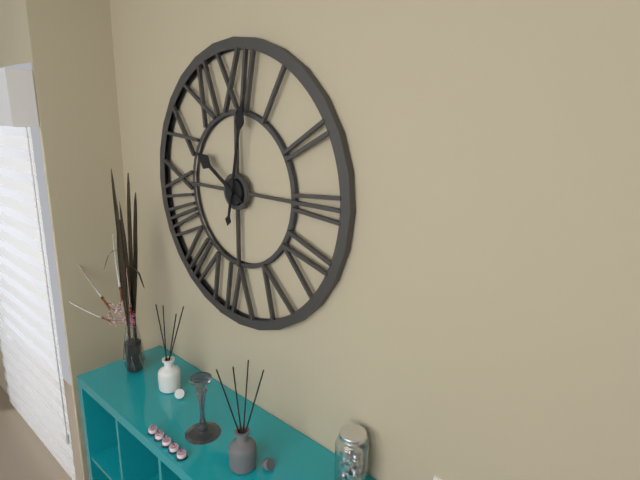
10:02
